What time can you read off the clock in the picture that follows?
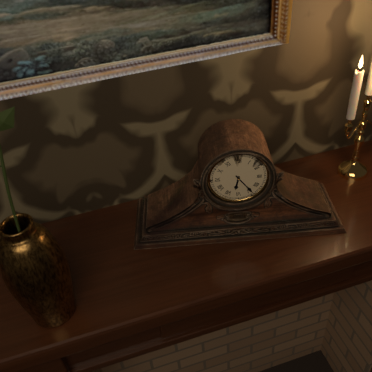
6:24
